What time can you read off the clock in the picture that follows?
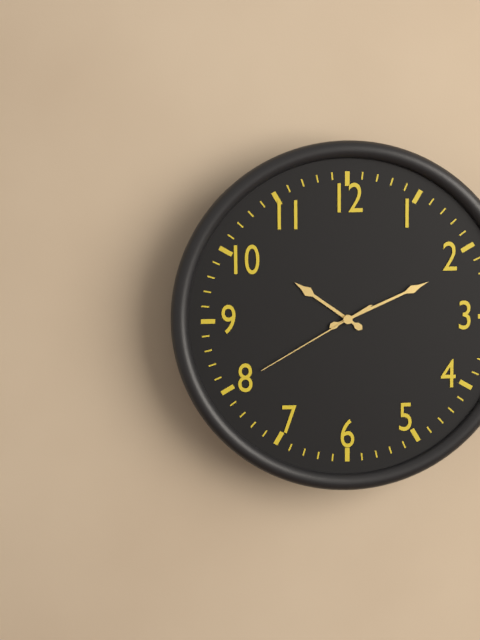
10:11:40
